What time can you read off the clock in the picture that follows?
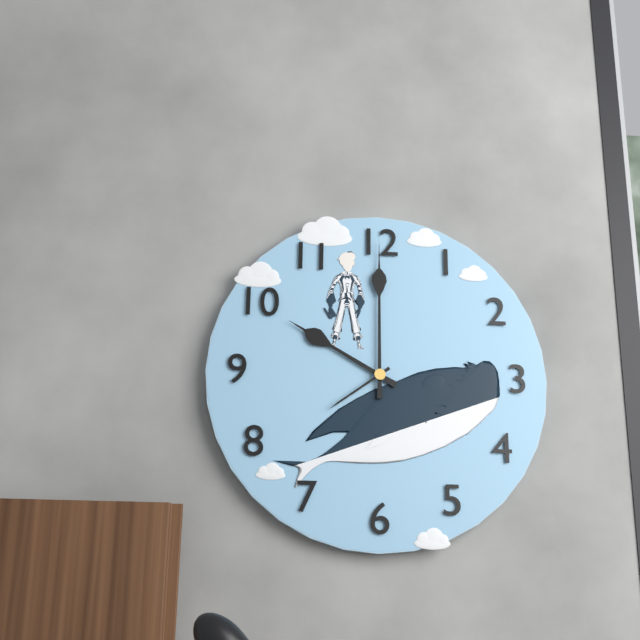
10:00:39
